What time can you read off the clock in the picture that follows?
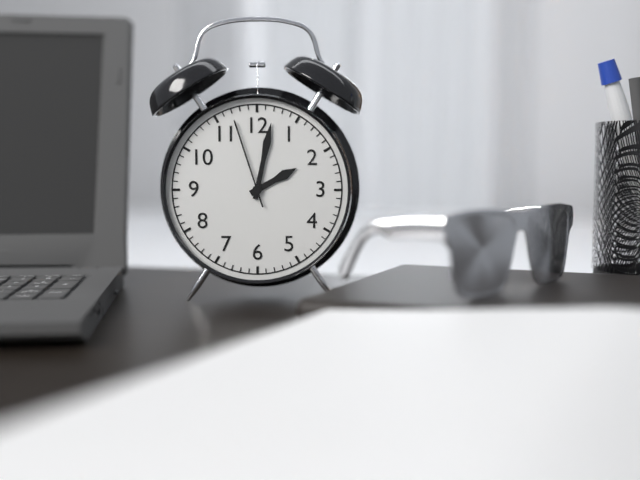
2:02:57
